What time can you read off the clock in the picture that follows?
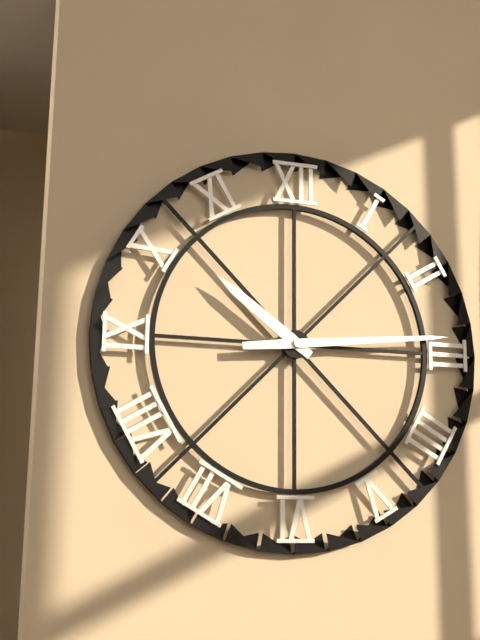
10:14
